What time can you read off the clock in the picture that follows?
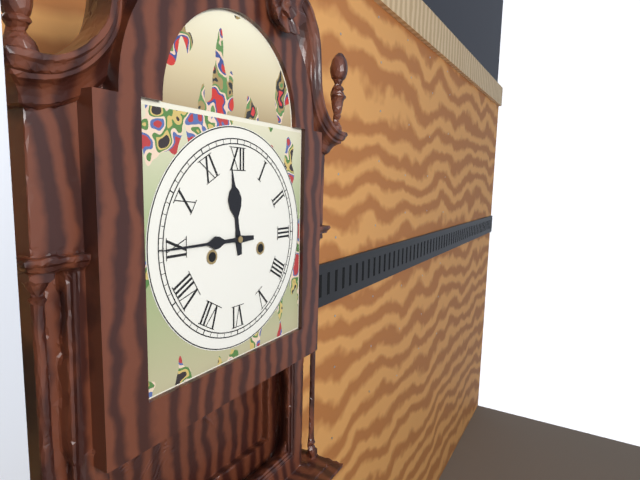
11:45
